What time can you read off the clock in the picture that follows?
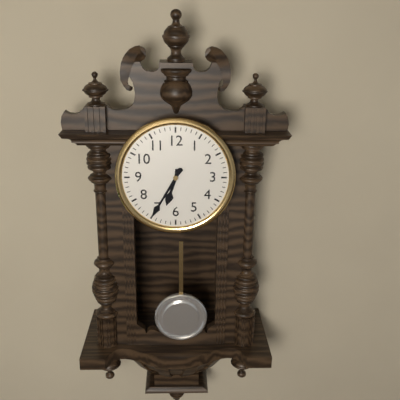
6:35
